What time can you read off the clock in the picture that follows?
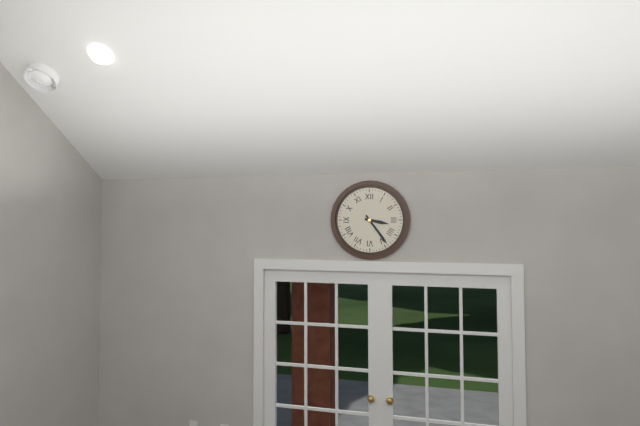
3:24
